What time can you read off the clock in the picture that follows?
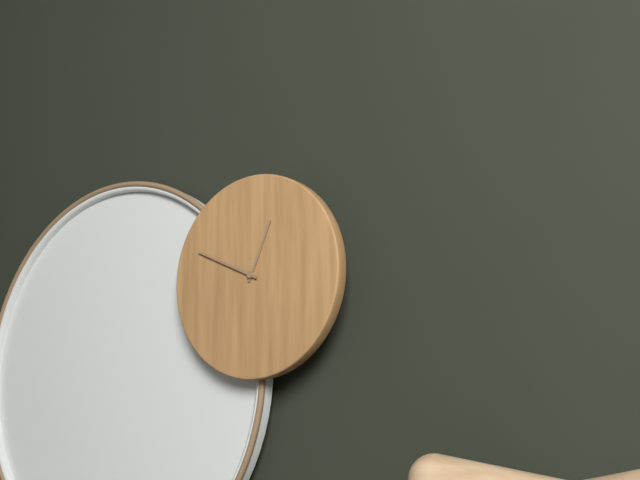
12:49
